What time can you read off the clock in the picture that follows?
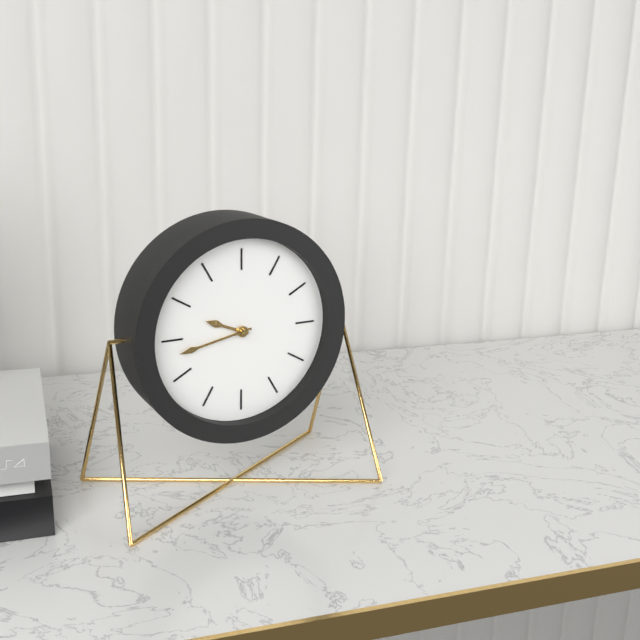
9:43
